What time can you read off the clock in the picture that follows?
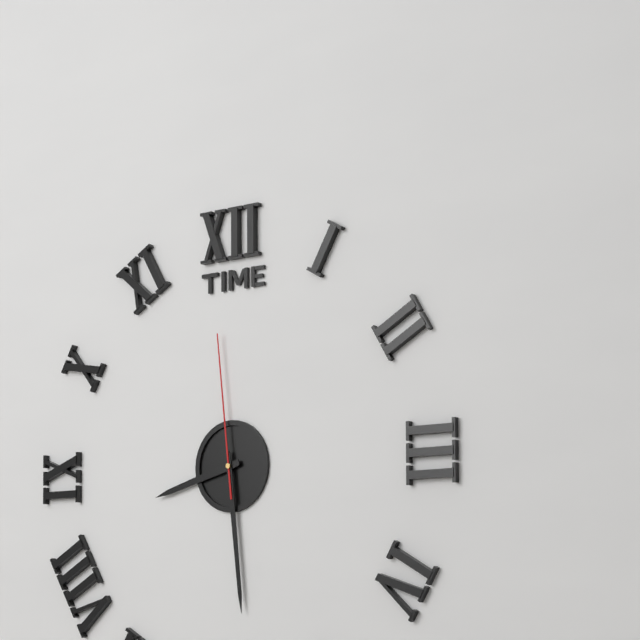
8:29:59
